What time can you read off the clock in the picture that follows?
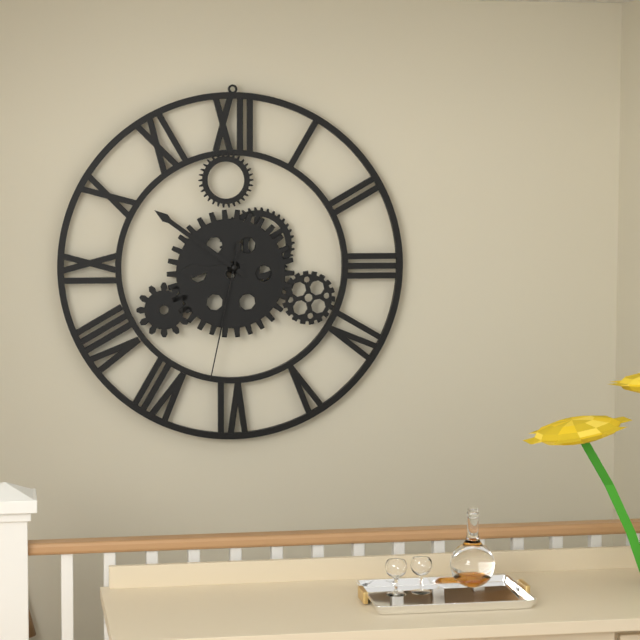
8:51:32
